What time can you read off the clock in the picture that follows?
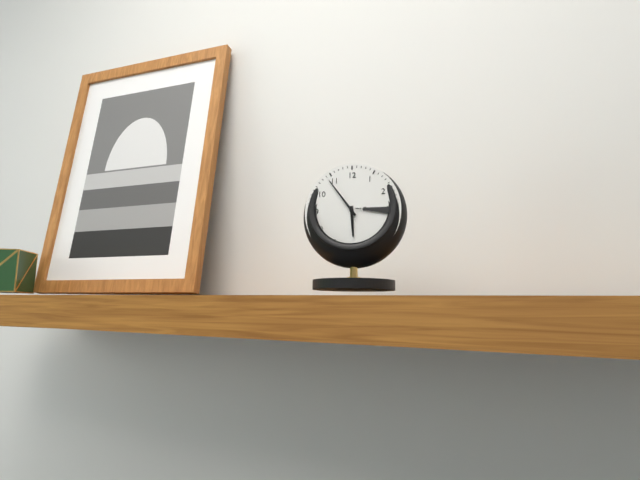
5:54
